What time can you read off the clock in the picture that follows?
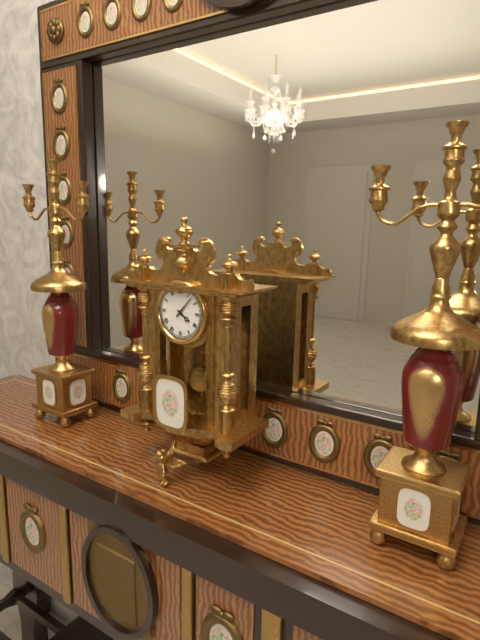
4:07
